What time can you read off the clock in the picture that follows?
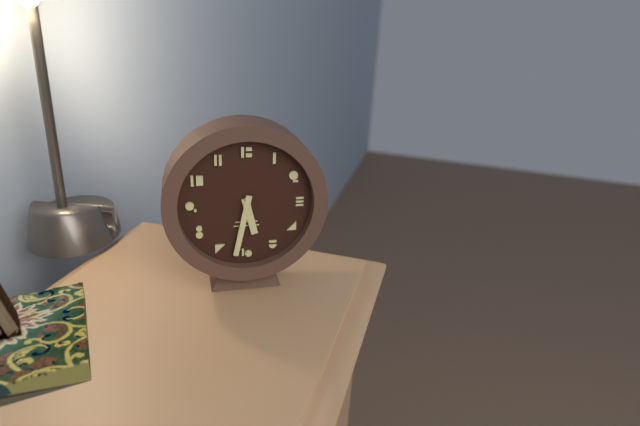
5:32
